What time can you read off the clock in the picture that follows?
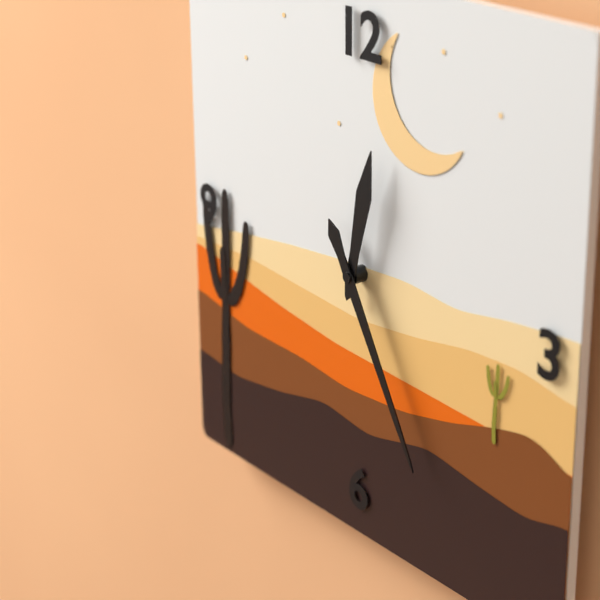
12:25
